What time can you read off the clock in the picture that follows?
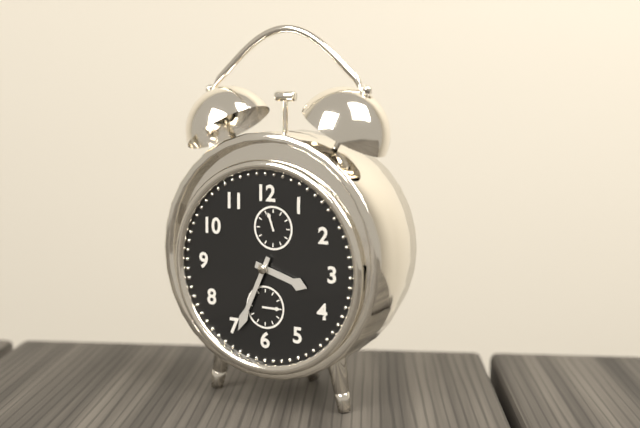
3:34
